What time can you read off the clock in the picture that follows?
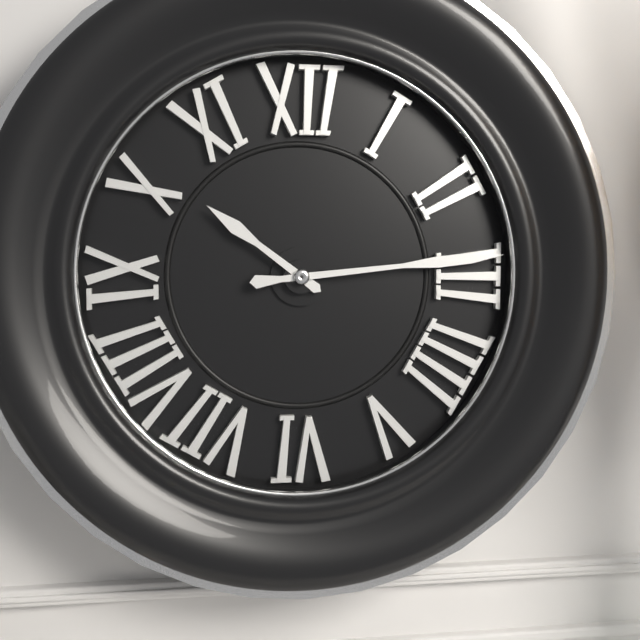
10:14
